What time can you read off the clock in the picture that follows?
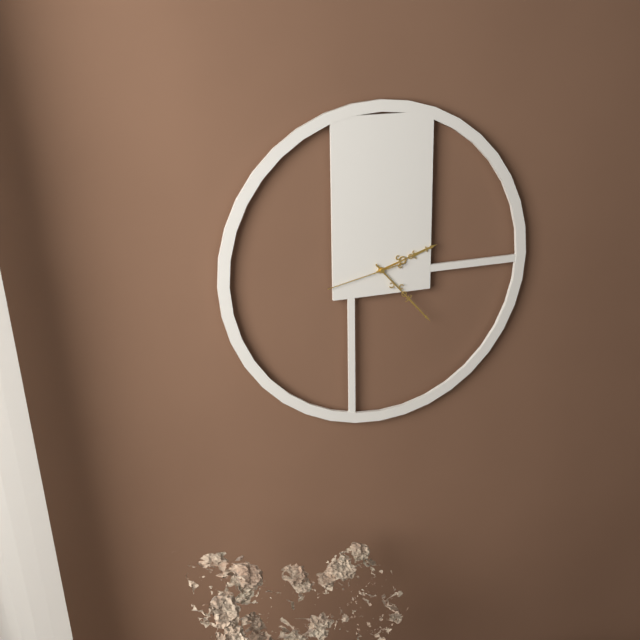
2:23:43
